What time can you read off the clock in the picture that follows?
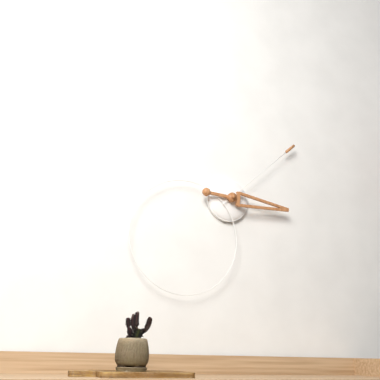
3:08
